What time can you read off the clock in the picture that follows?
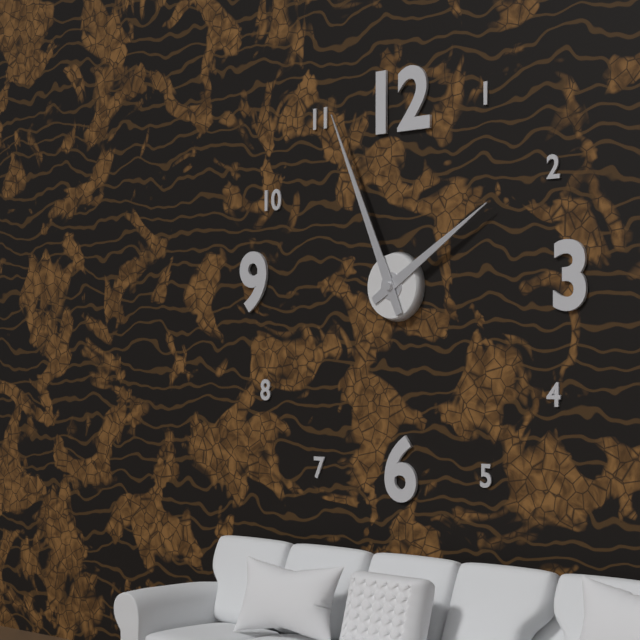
1:56
